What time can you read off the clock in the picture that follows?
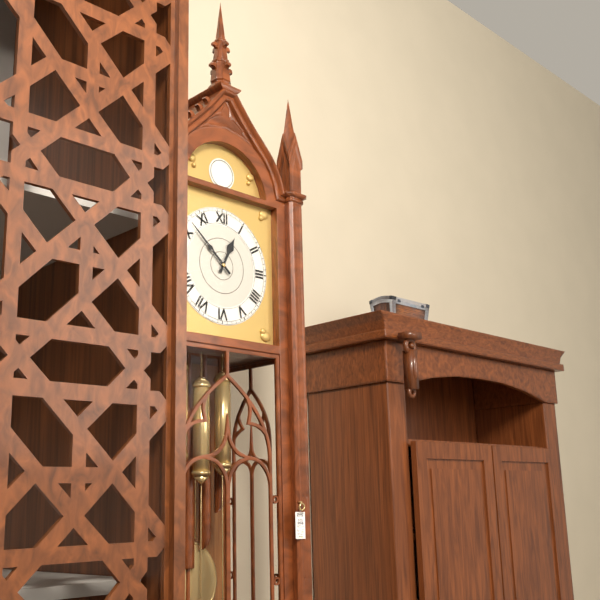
12:52
